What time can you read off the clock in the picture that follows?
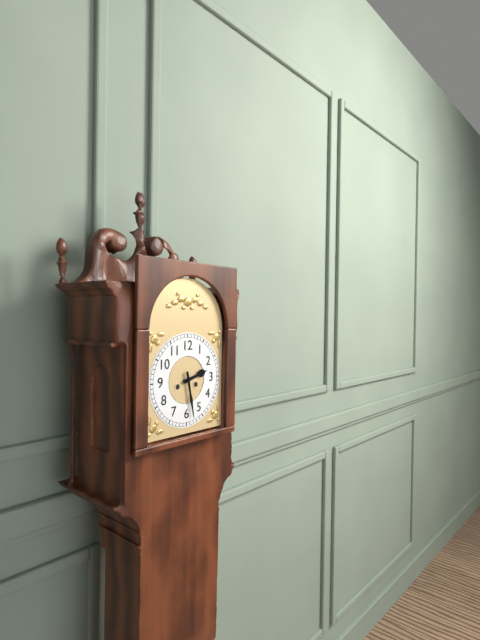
2:28
